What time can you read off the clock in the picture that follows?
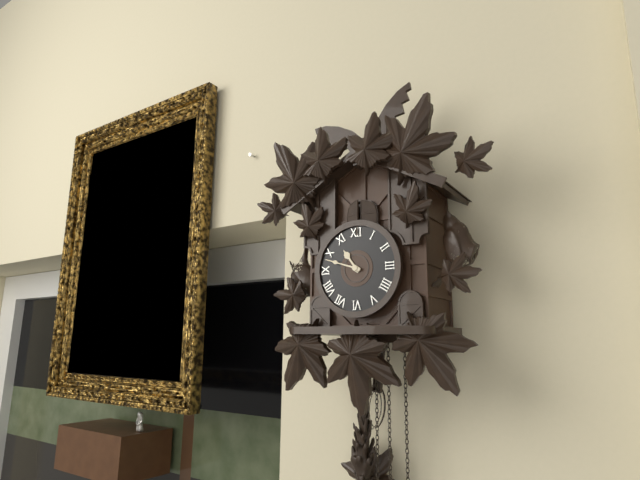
10:48
